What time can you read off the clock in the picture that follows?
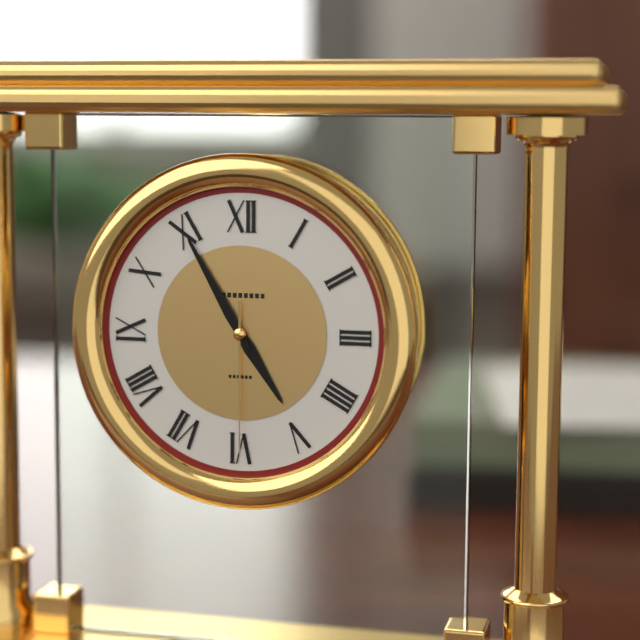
4:55:30
